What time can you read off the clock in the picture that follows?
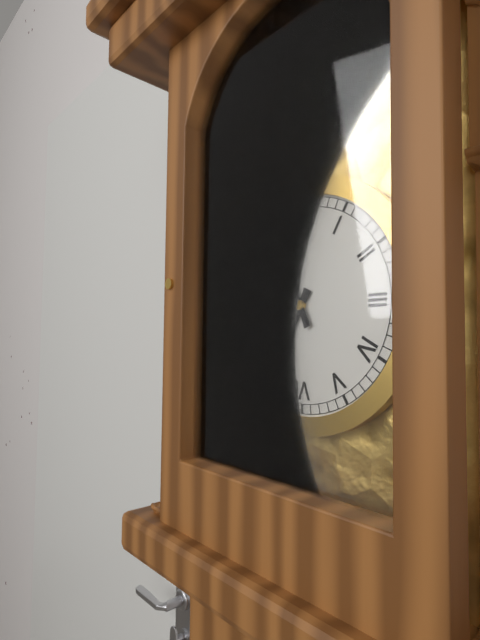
6:56
